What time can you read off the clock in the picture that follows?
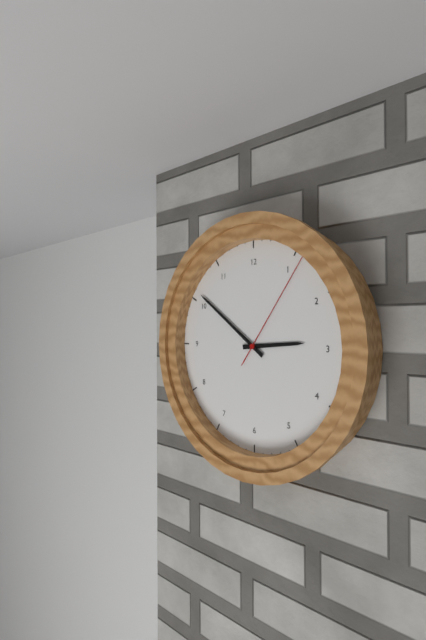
2:51:06
